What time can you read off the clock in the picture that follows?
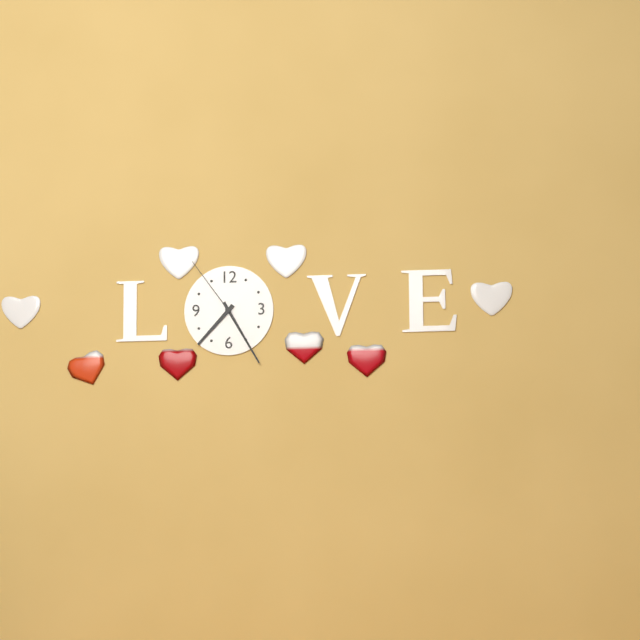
7:25:54
